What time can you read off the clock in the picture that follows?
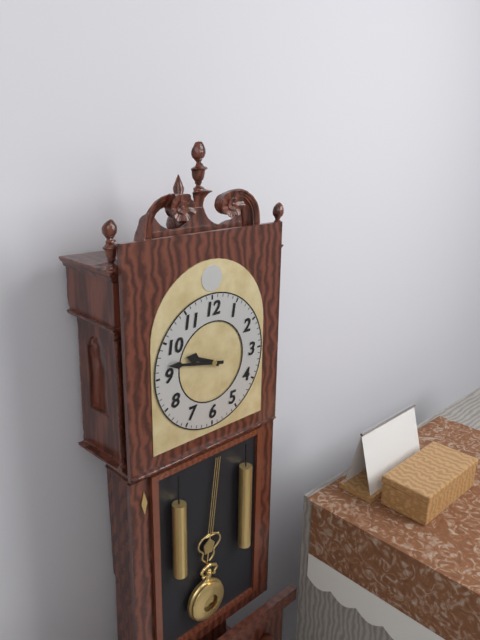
9:47
